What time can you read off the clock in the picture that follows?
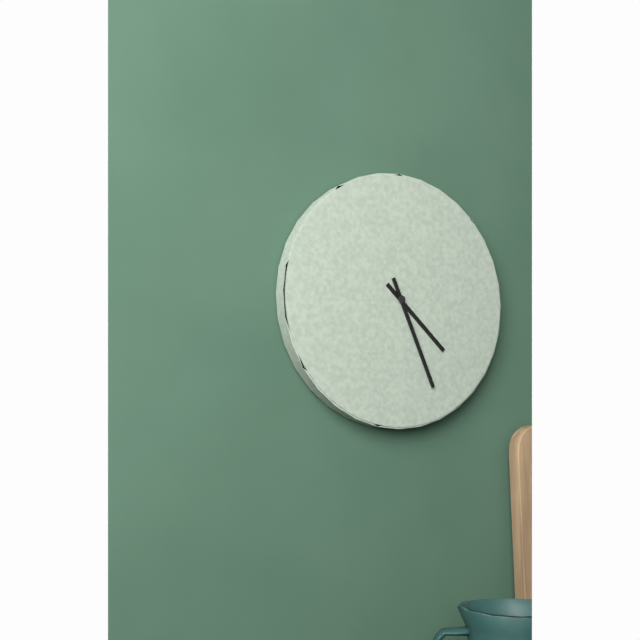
4:26
